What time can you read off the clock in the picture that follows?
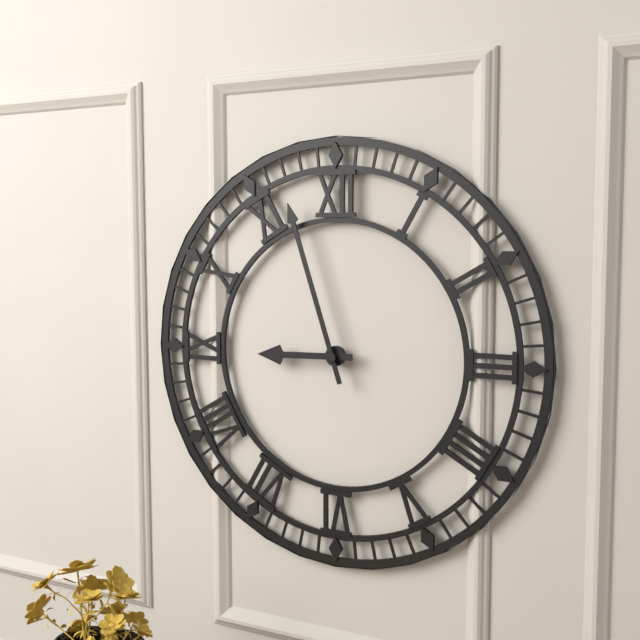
8:57
